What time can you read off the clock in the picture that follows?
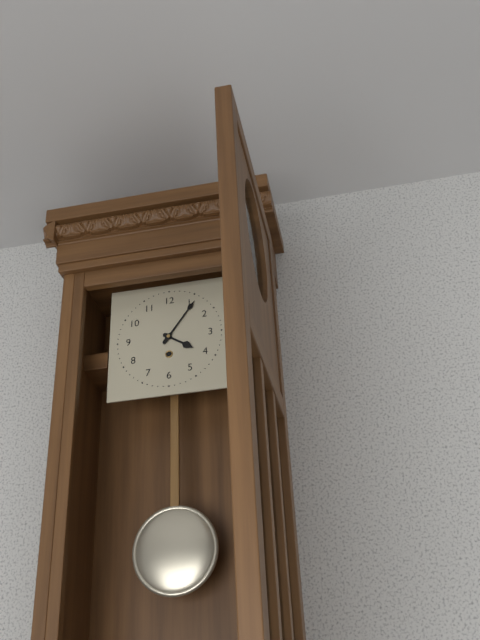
4:06
